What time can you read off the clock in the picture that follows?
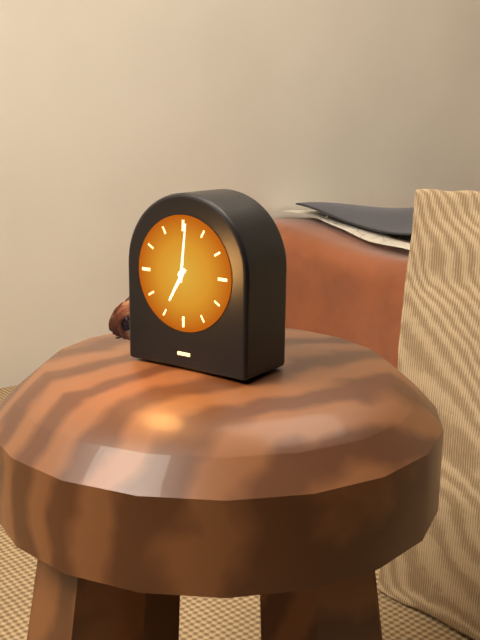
7:01
